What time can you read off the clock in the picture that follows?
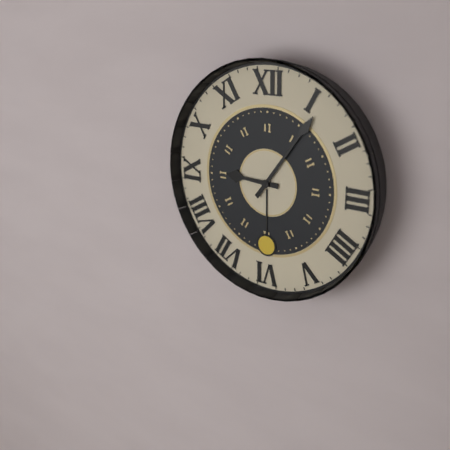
9:06
